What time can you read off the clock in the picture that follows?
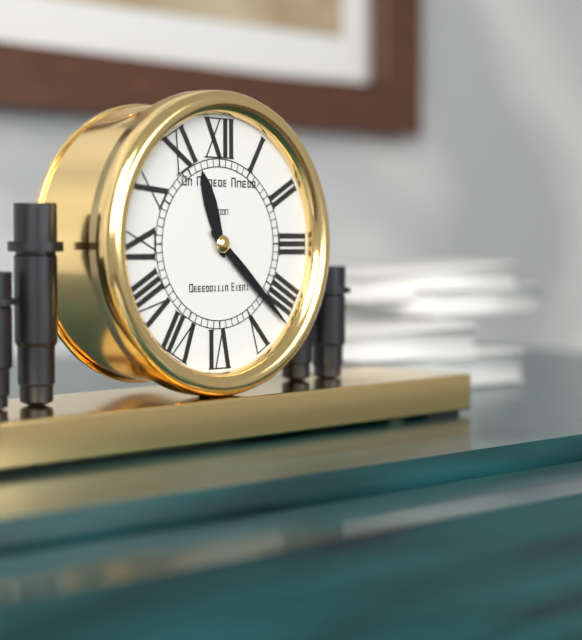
11:22
